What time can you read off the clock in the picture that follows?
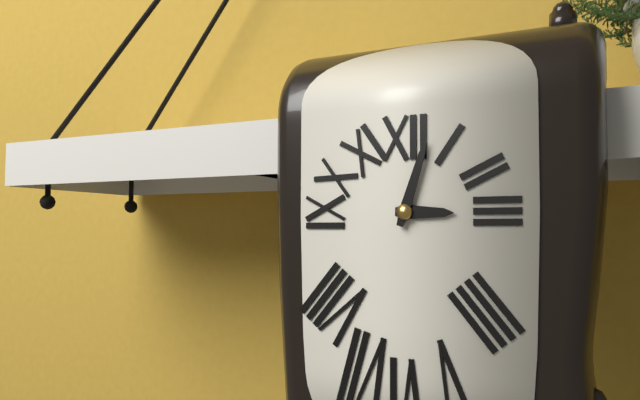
3:03
